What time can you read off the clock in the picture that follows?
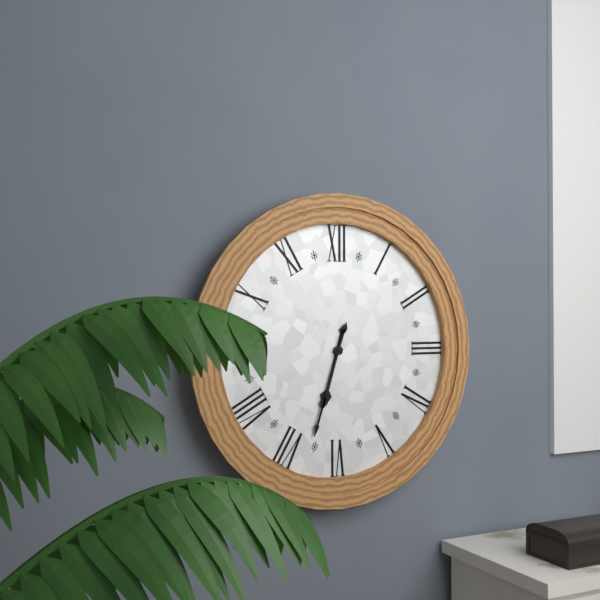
6:33
